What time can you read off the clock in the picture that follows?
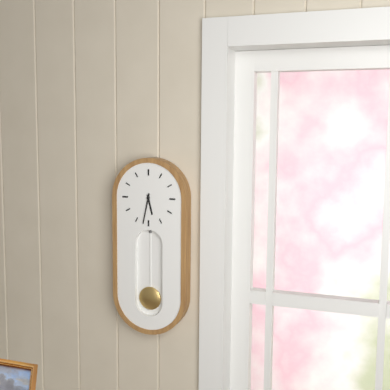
5:32
